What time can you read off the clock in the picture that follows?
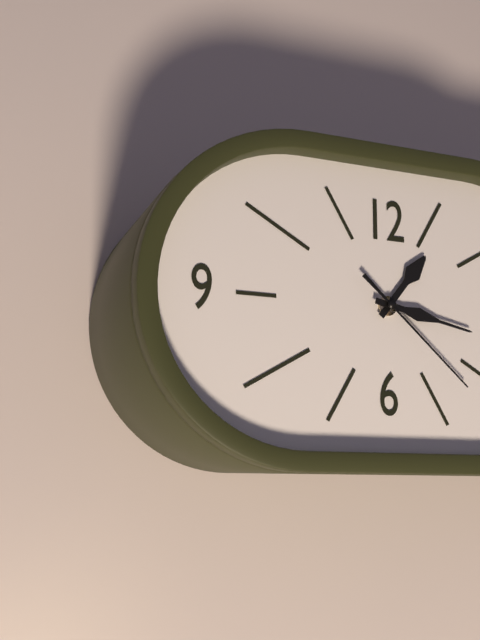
1:17:22
